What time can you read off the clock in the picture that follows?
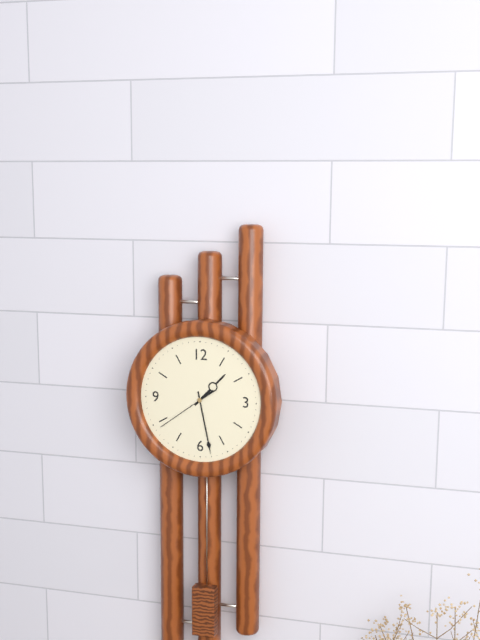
1:28:39
